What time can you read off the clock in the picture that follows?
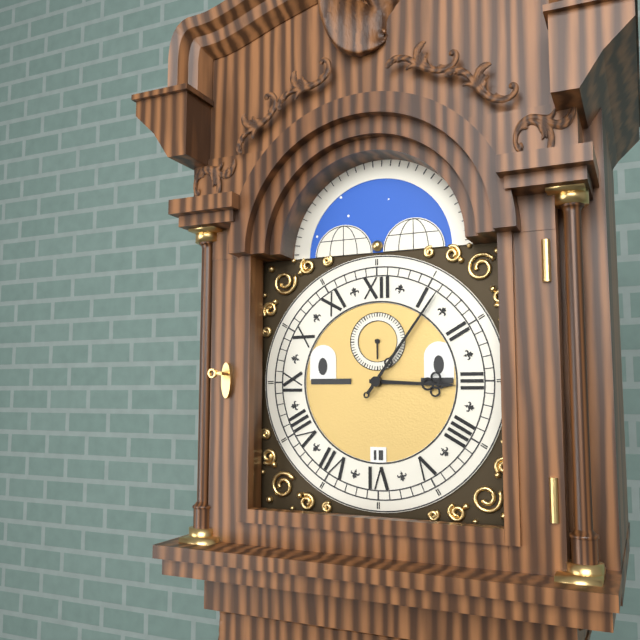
3:06
